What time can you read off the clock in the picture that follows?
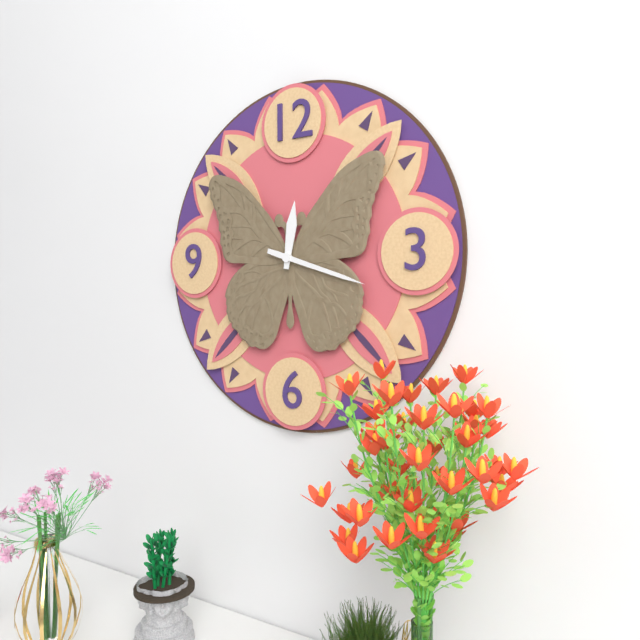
12:18
